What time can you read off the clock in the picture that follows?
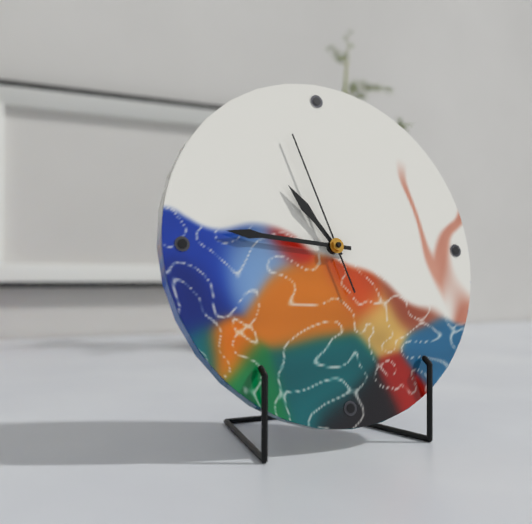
10:46:57
